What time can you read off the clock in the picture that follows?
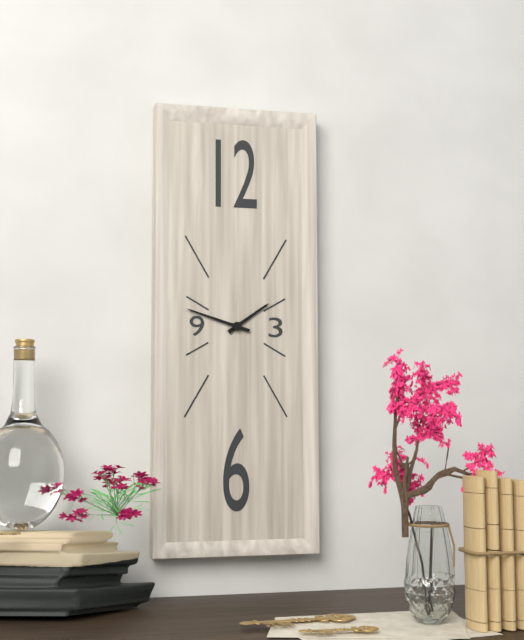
1:48
